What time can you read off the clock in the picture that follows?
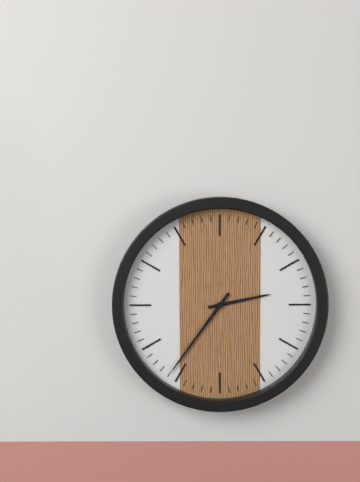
2:36
